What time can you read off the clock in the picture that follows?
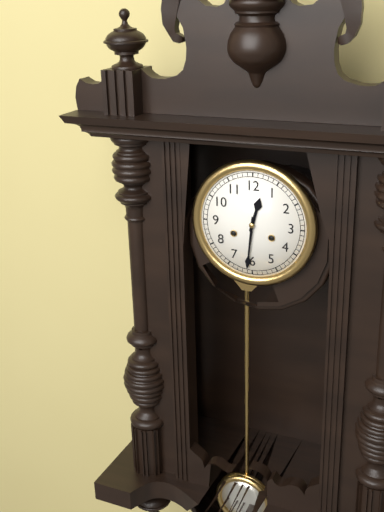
12:31
